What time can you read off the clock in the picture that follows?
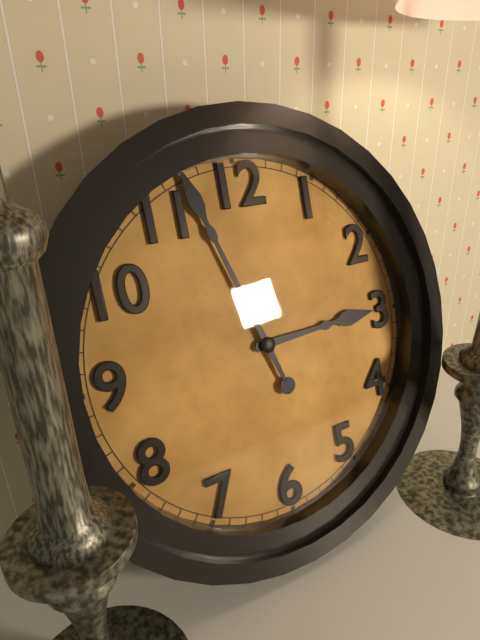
2:57
